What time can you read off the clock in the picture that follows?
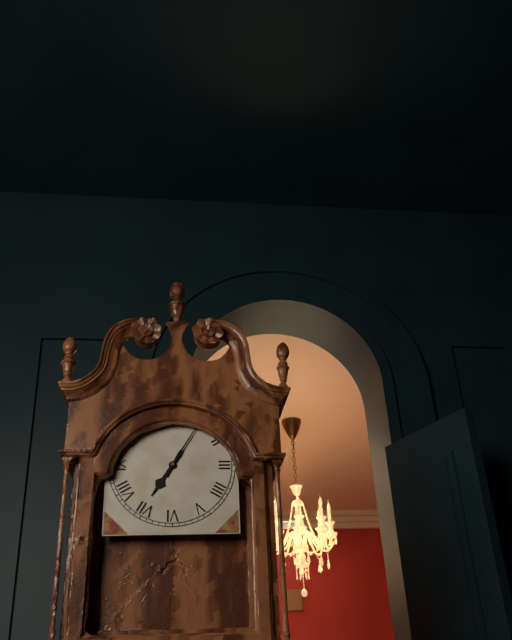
7:05
